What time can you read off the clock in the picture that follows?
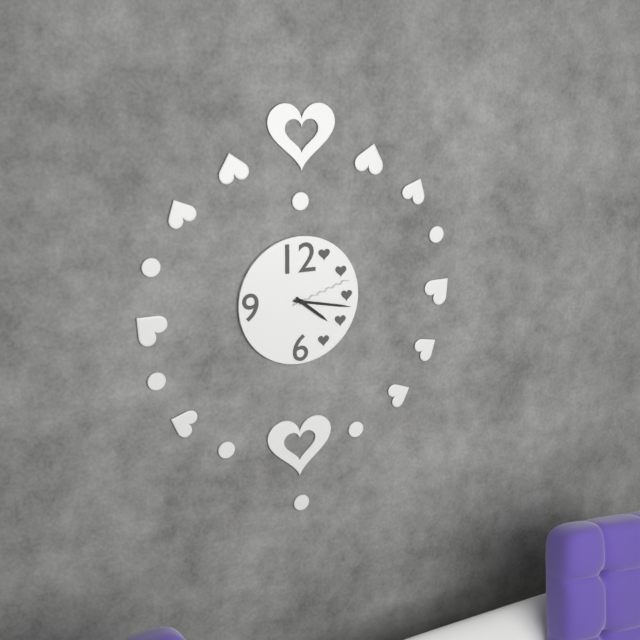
4:17:12
